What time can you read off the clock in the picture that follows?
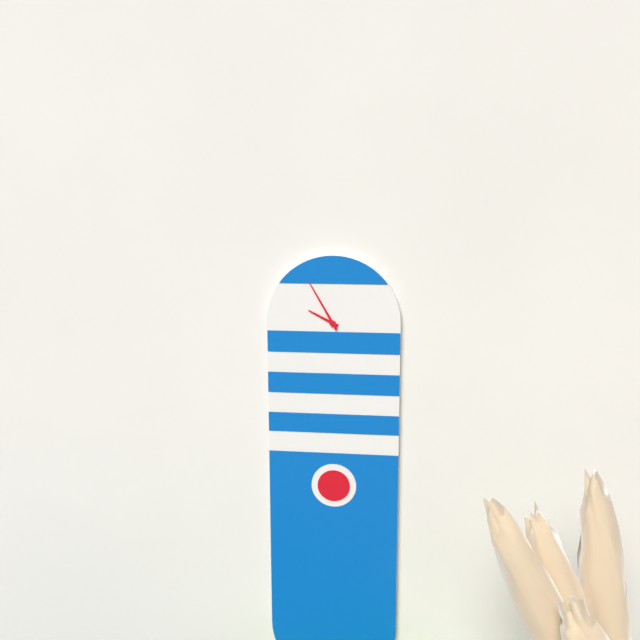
9:55
